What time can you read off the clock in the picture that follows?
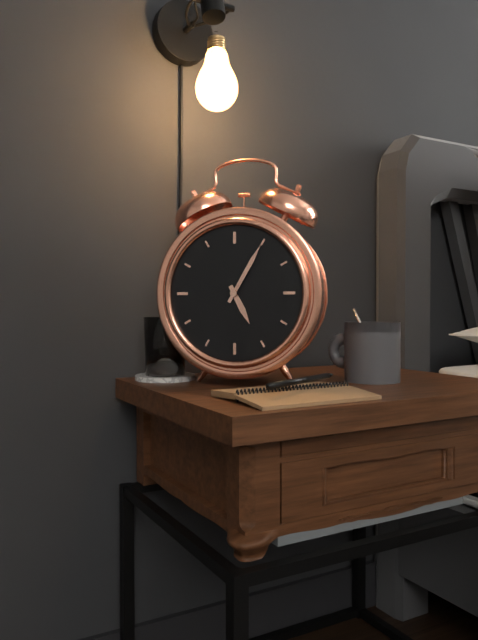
5:05
